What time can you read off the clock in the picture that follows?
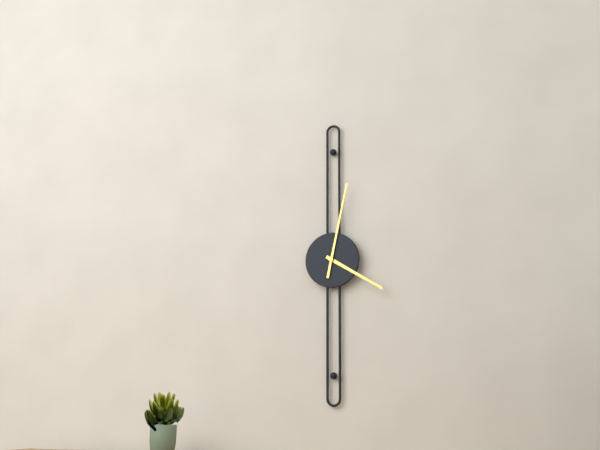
4:02
